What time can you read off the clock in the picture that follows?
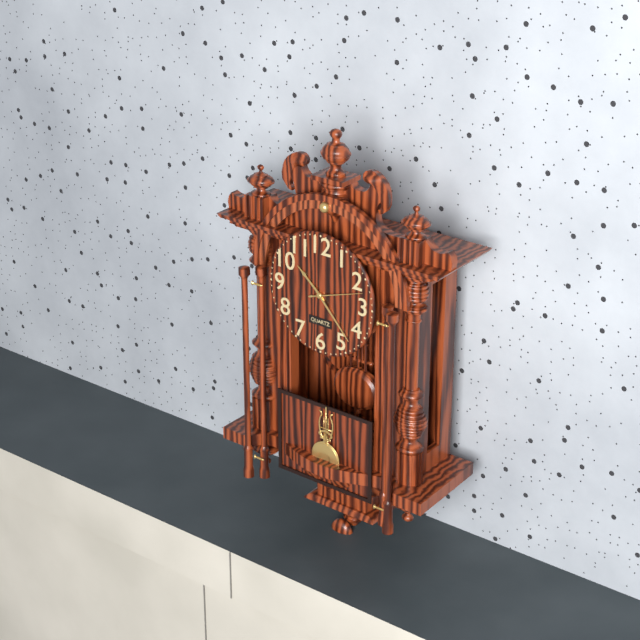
10:23:12
